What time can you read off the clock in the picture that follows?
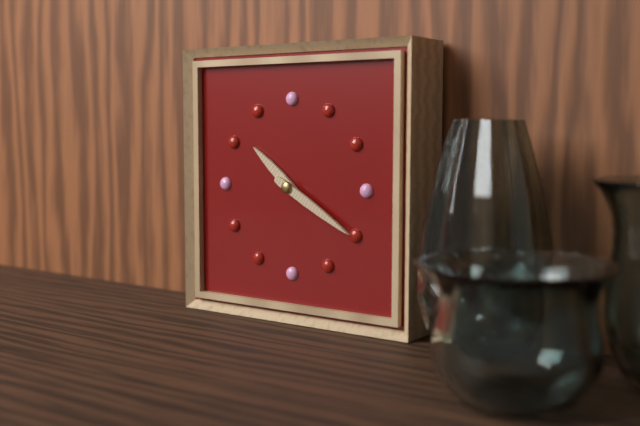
10:20
